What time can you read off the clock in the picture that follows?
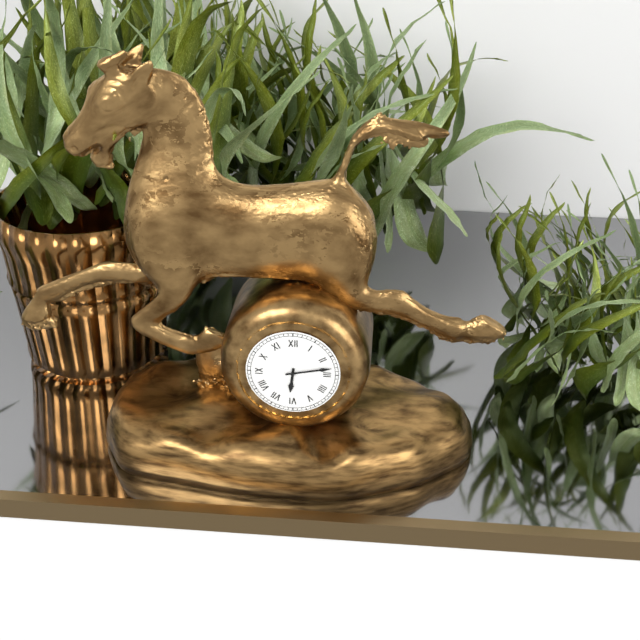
6:13
